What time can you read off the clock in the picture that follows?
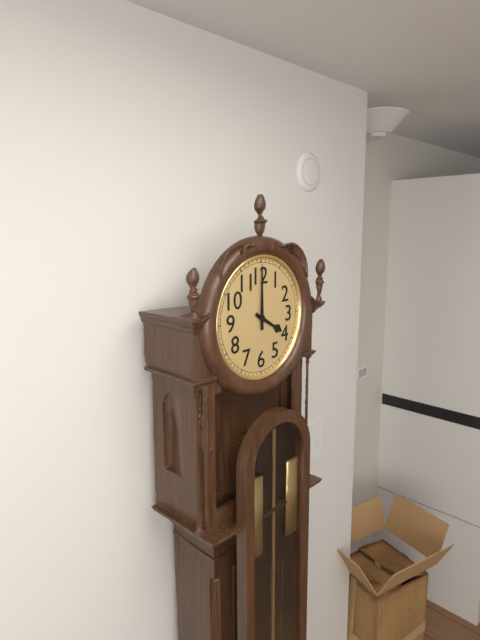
4:00
